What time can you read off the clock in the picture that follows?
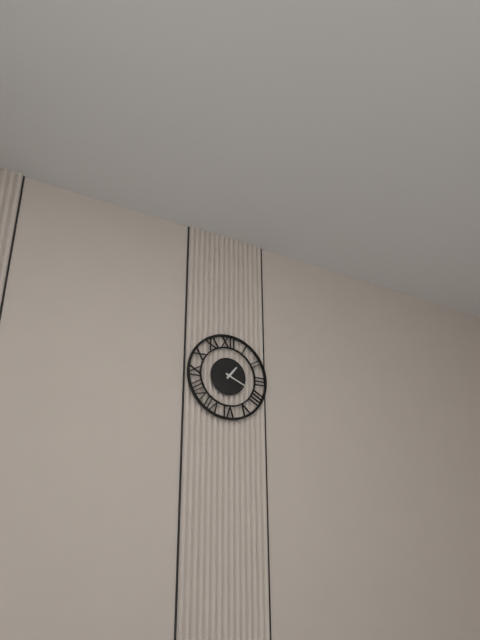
1:19
